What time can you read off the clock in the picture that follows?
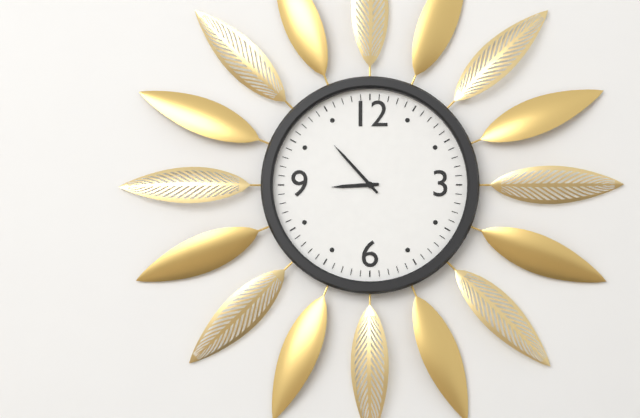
8:53
